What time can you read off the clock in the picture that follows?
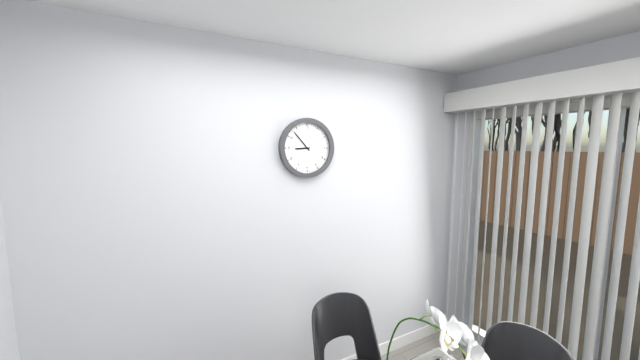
8:53
